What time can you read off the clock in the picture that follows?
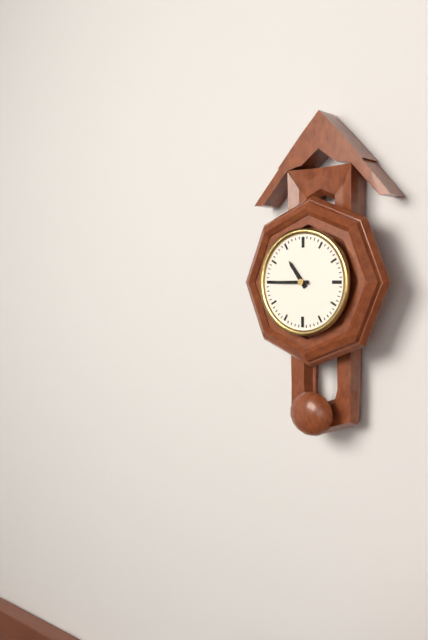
10:45
